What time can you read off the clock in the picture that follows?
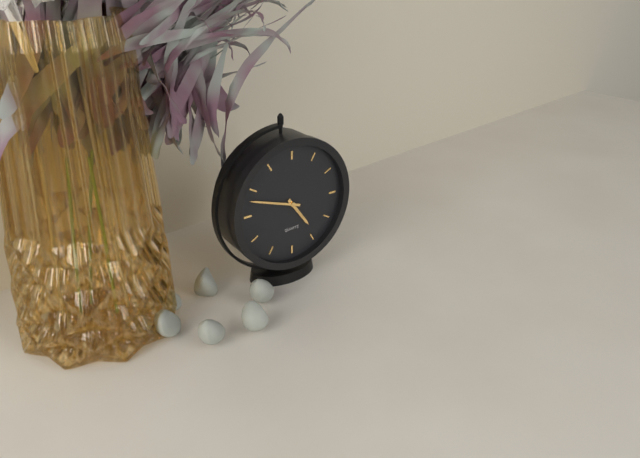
4:48
